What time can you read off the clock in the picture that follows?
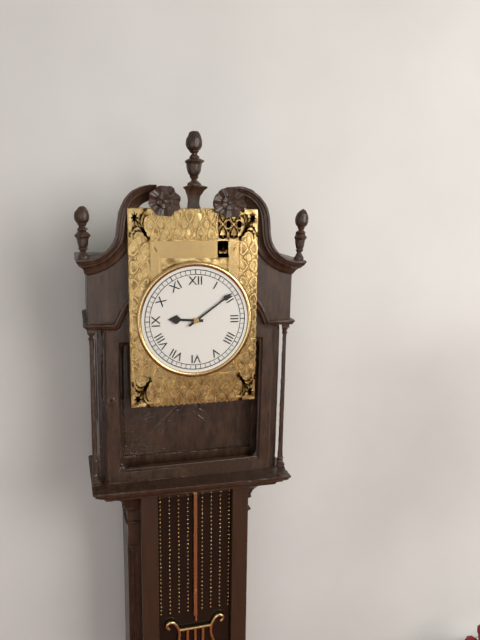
9:09
